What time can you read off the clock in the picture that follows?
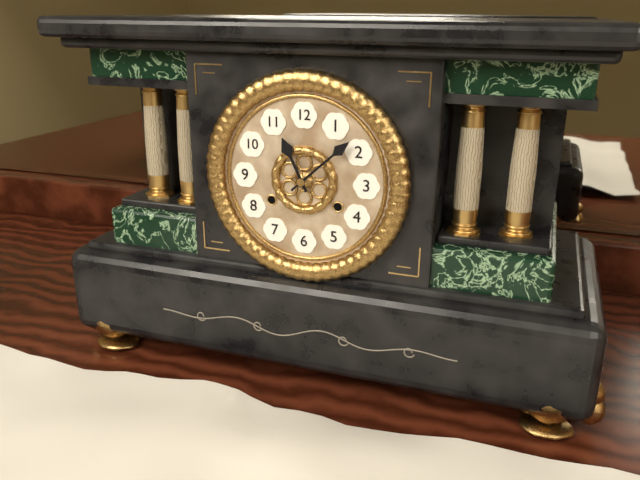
11:08
